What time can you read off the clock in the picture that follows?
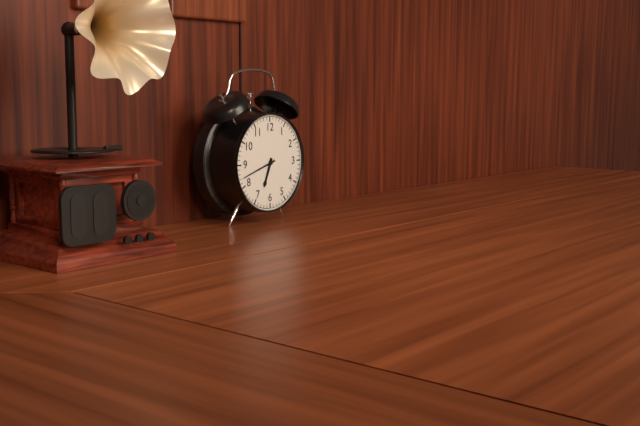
6:42
